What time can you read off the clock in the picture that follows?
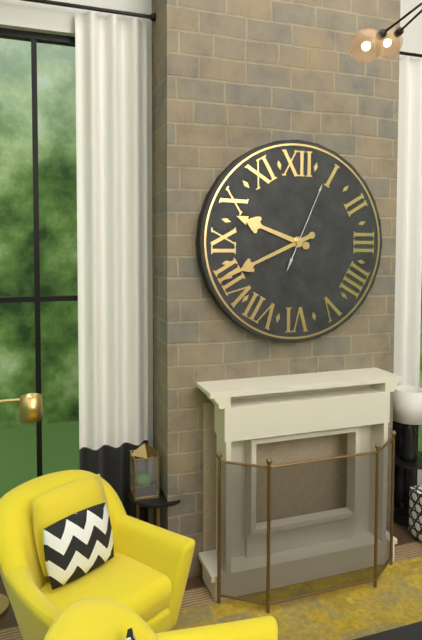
9:41:04
